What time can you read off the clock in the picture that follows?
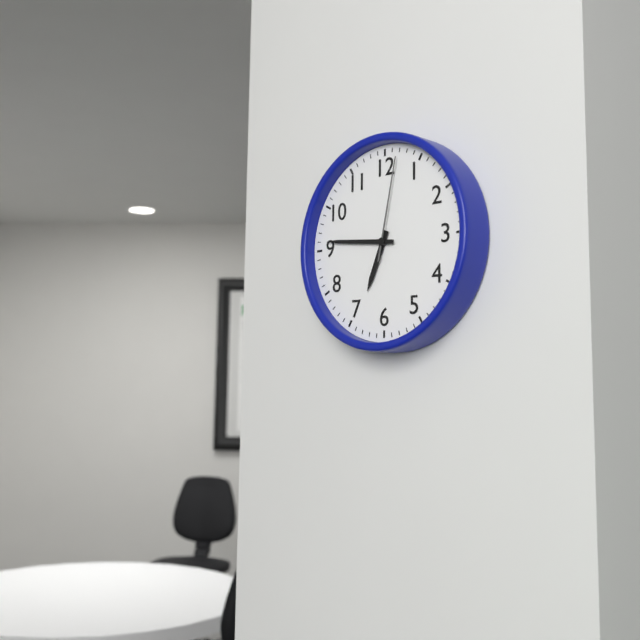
6:46:02
